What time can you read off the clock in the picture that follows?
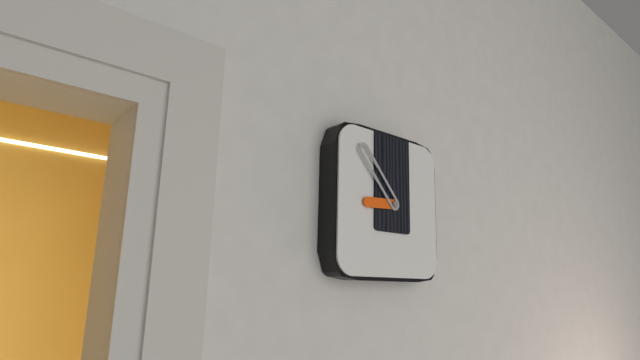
8:53
